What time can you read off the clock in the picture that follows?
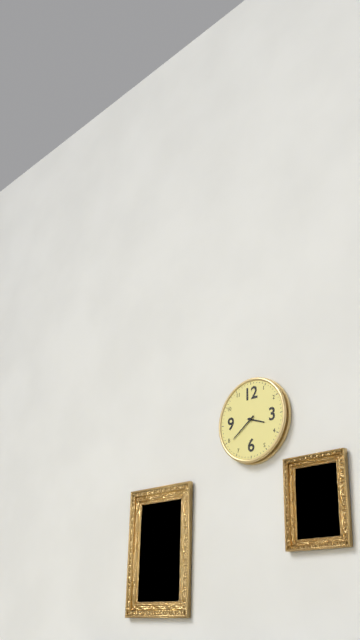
3:39
